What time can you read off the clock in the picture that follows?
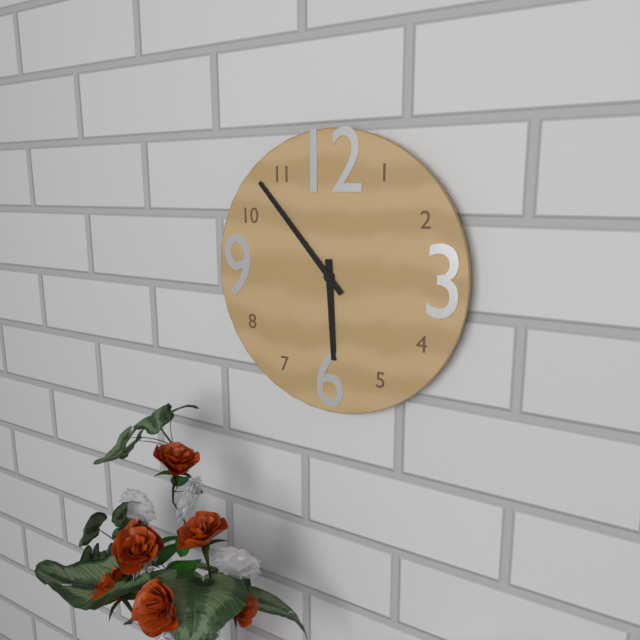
5:53
